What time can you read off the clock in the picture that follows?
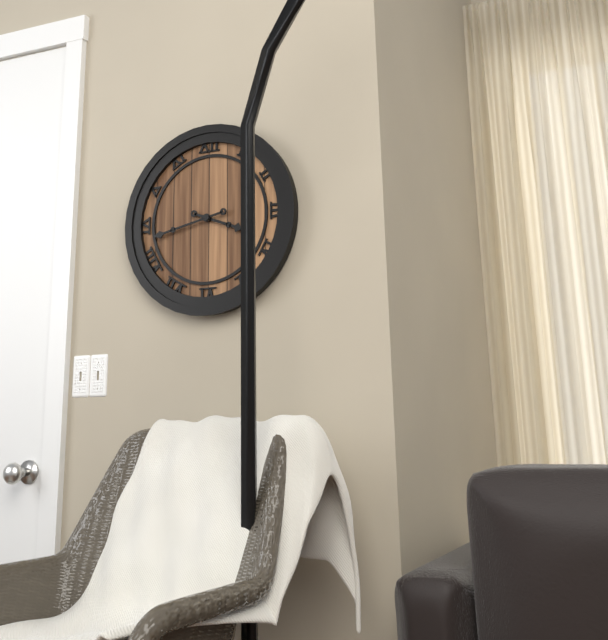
3:43
